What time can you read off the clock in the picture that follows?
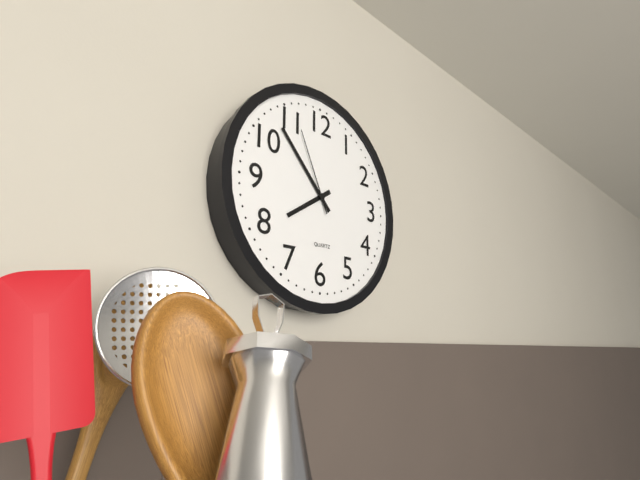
7:53:56
